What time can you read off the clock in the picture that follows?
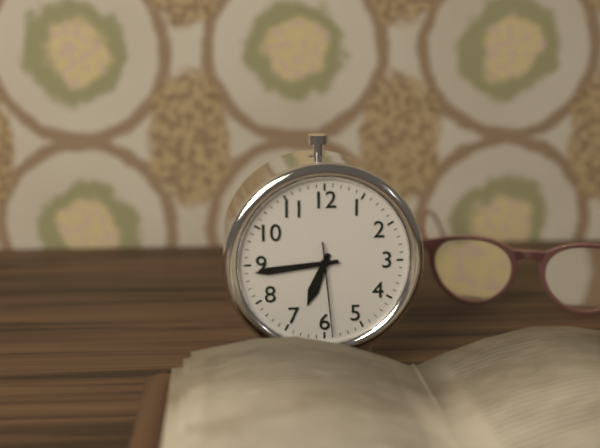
6:44:29
